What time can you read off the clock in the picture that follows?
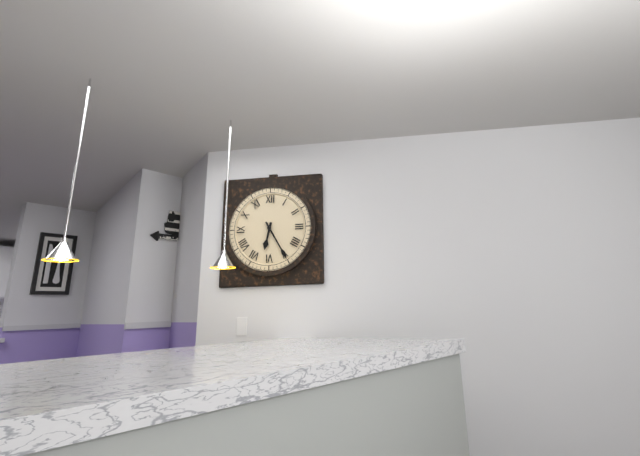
6:25
